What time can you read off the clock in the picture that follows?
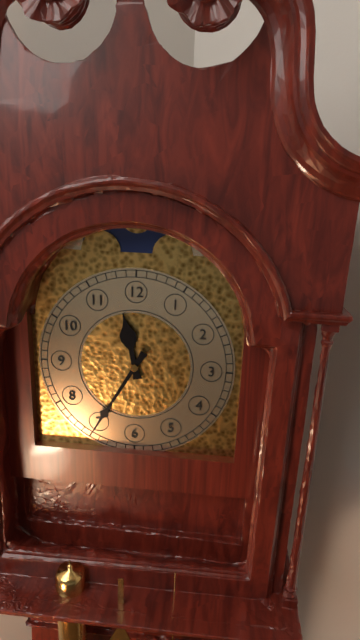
11:35
